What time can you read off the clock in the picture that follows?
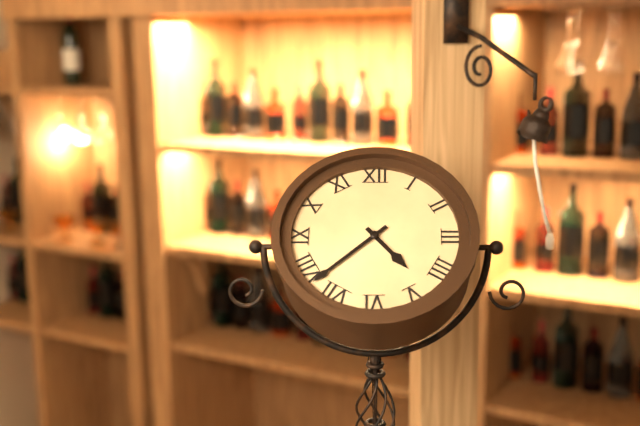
4:38
